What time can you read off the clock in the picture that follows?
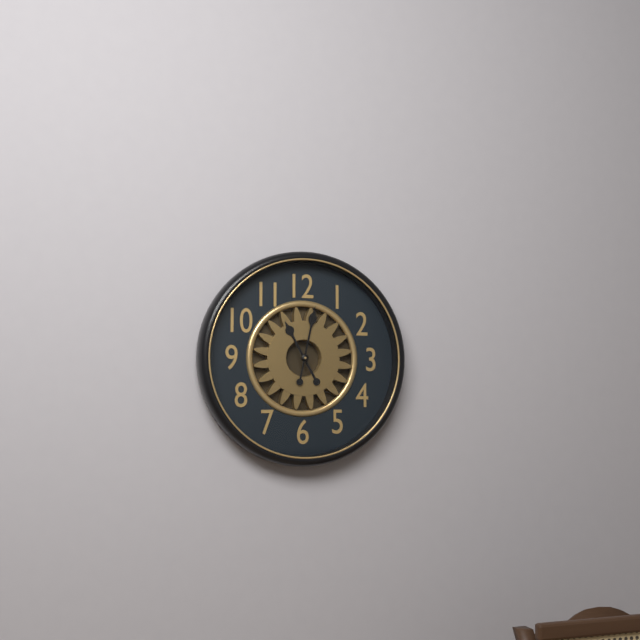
11:02
